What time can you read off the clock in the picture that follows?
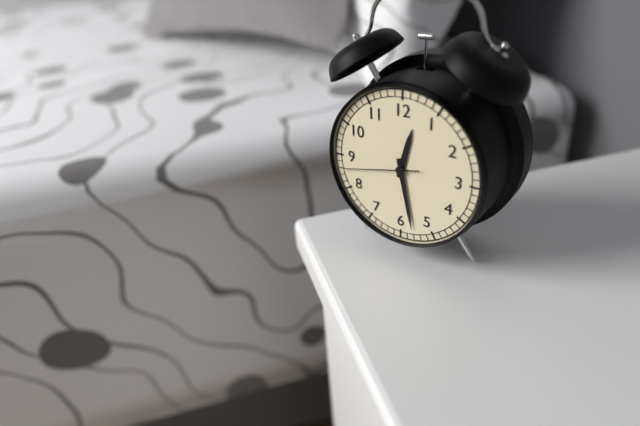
12:28:43
